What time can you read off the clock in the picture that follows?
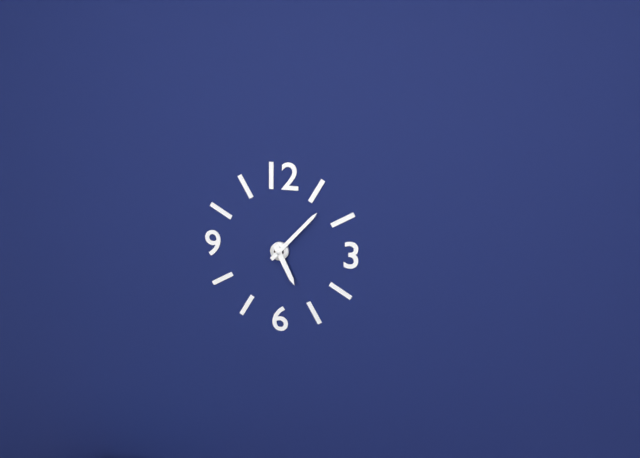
5:07
